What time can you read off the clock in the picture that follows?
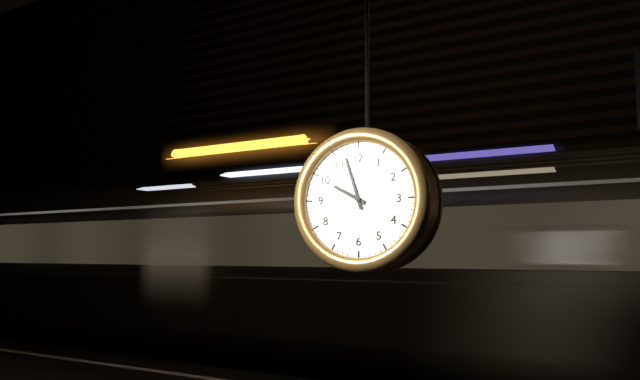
9:57
